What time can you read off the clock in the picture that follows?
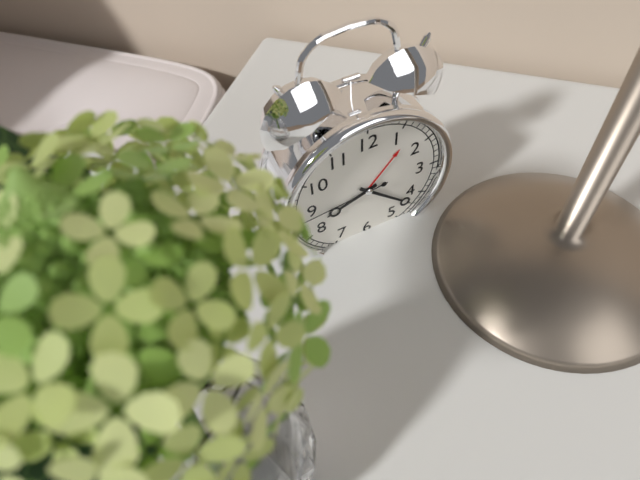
8:22:44
